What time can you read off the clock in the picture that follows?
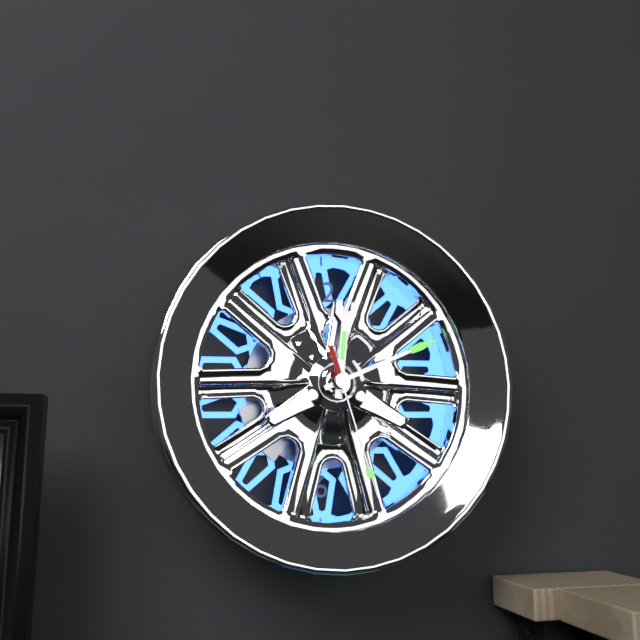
12:11:27
